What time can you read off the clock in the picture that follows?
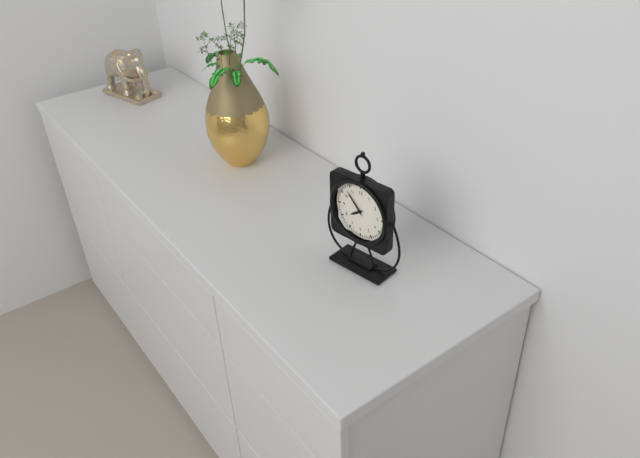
7:53
